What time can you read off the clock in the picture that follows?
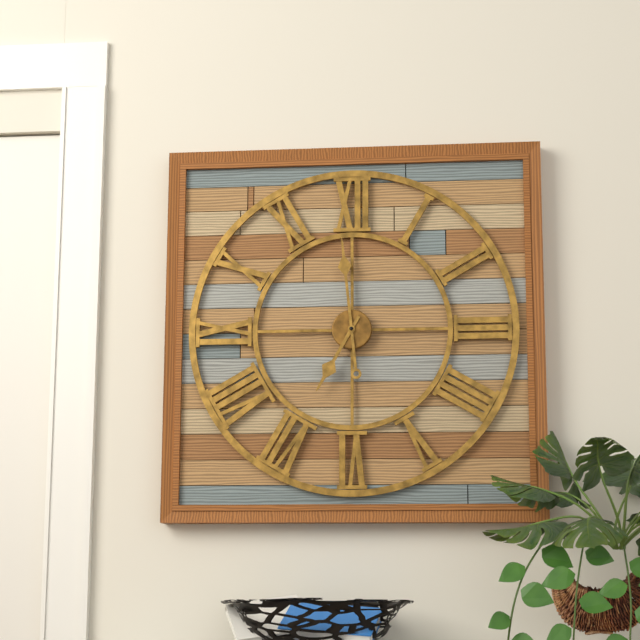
6:59
